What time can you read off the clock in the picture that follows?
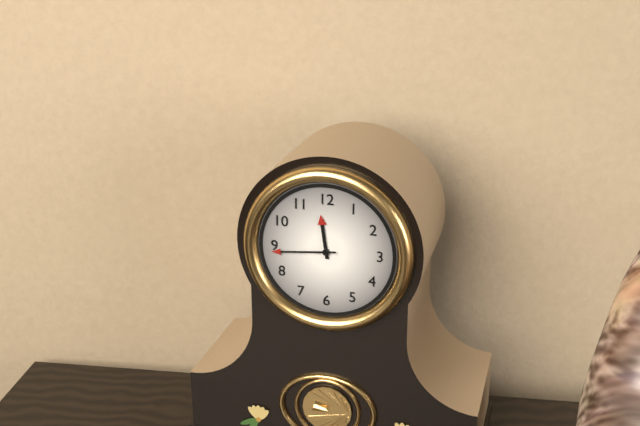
11:44
